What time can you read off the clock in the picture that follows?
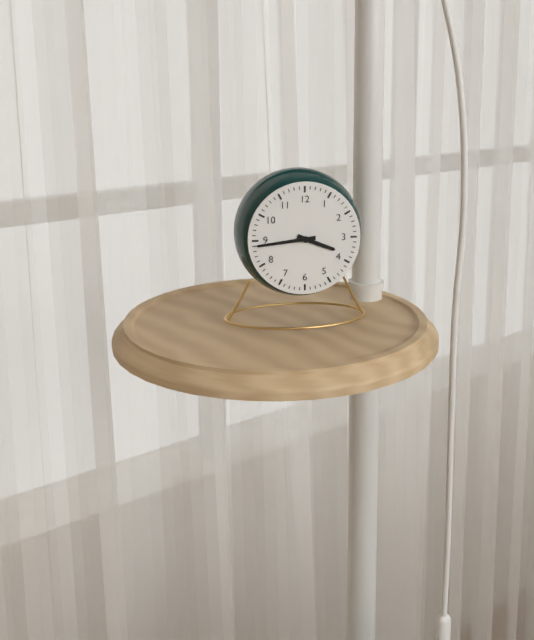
3:44
